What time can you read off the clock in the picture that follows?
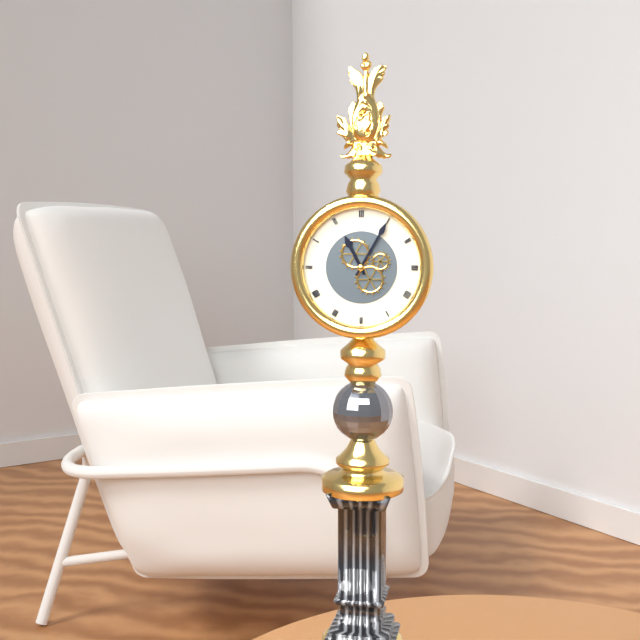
11:05
